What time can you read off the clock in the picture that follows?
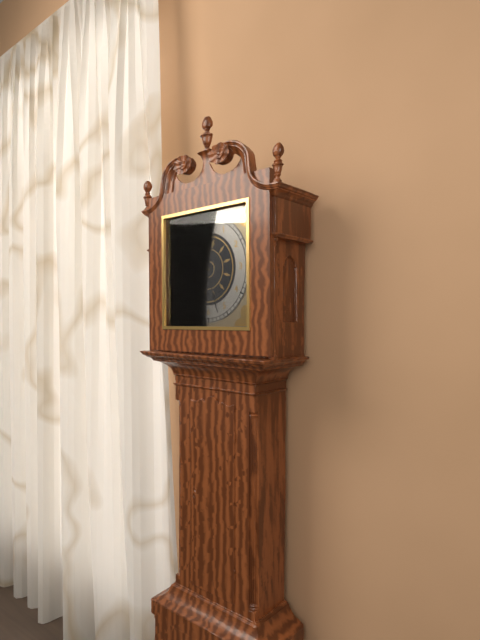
7:27
